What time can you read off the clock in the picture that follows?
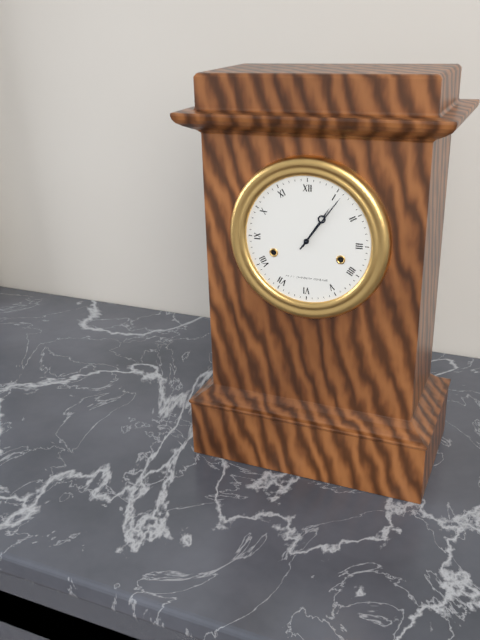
1:06
